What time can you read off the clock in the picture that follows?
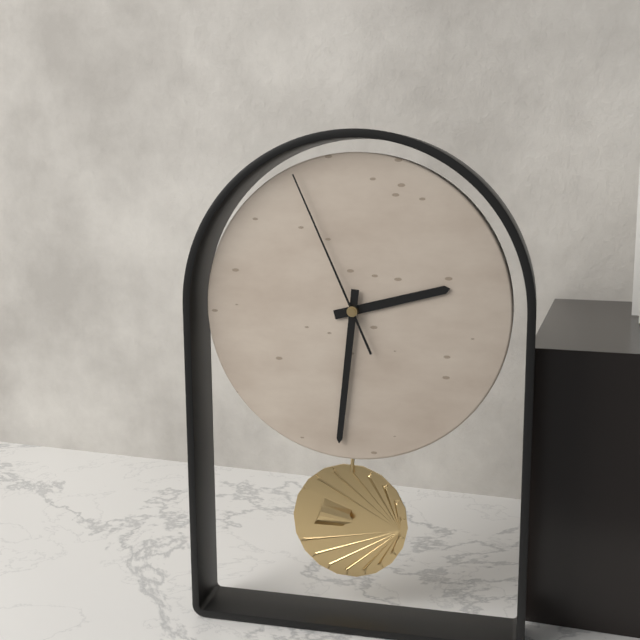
2:31:56
